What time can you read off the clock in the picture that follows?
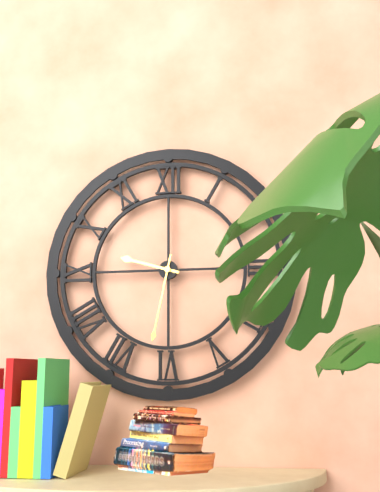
9:32
